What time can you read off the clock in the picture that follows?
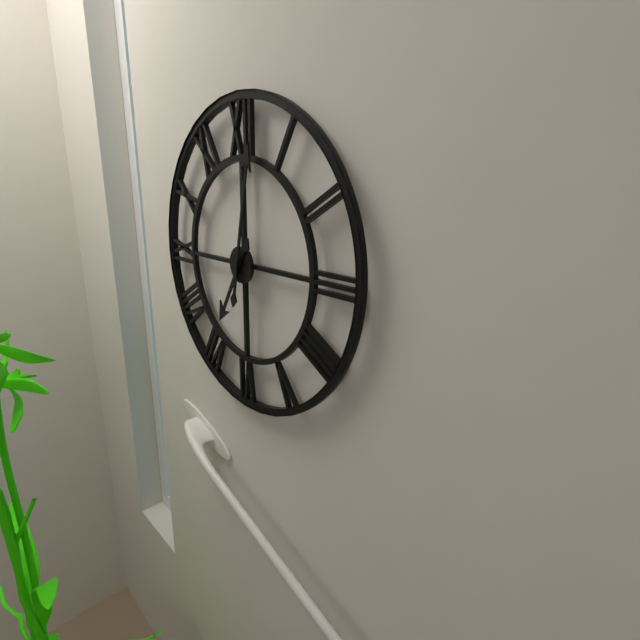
7:02
